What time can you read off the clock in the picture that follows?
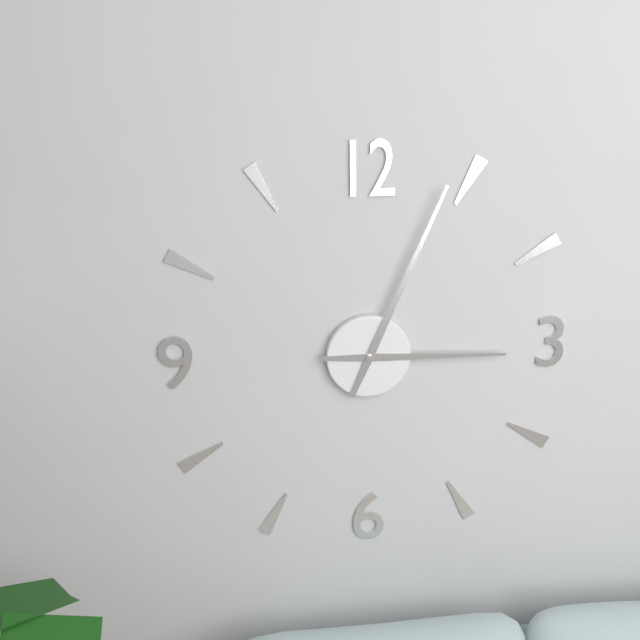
3:04
